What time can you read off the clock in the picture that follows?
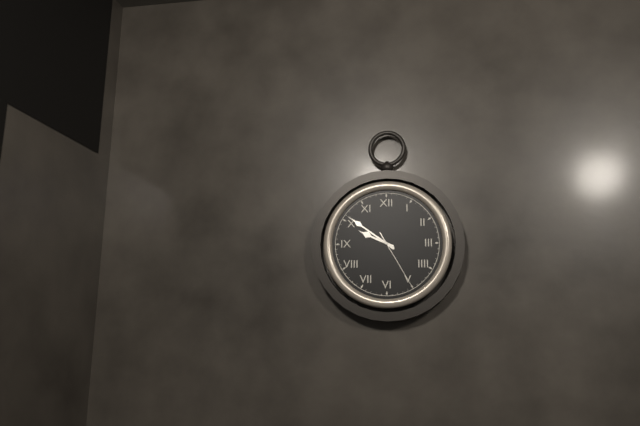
9:51:25
